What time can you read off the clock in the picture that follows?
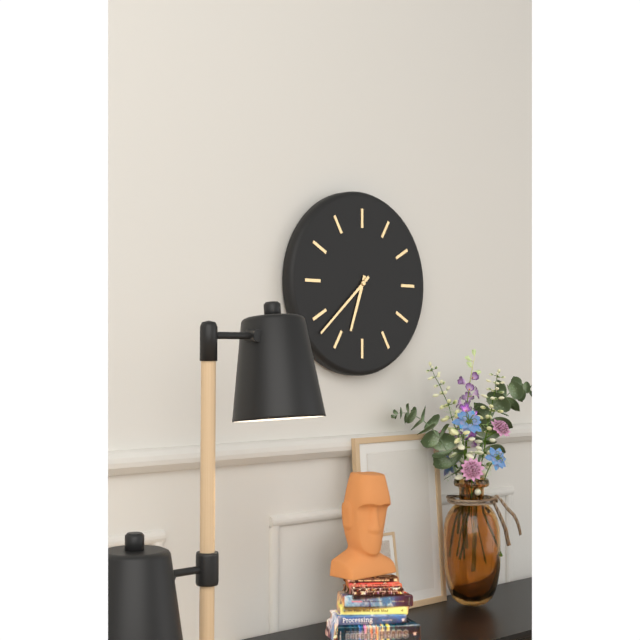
6:38
